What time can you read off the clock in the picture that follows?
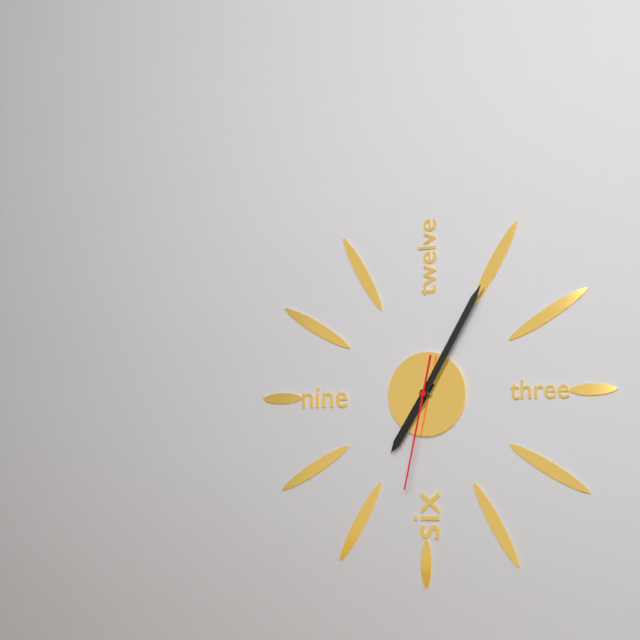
7:05:32
